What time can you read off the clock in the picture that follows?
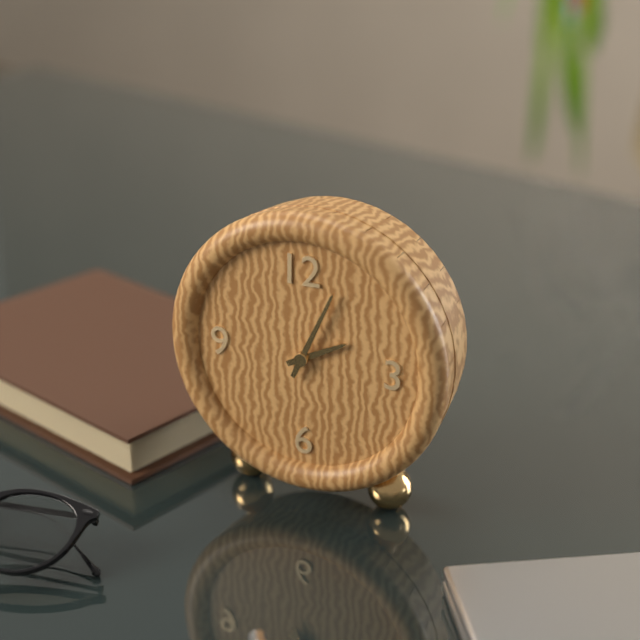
2:04
